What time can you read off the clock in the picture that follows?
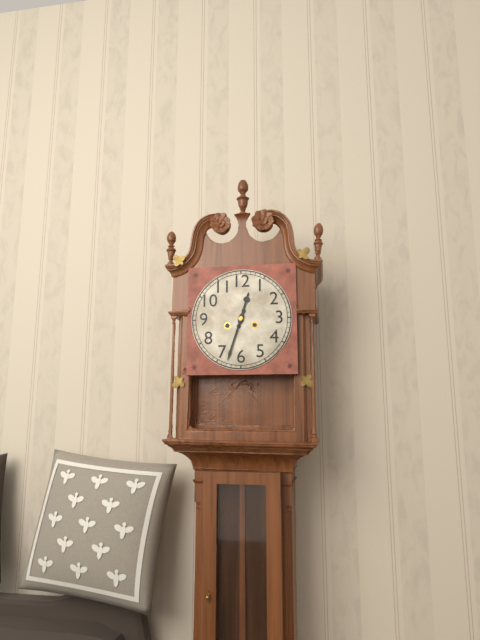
12:33
